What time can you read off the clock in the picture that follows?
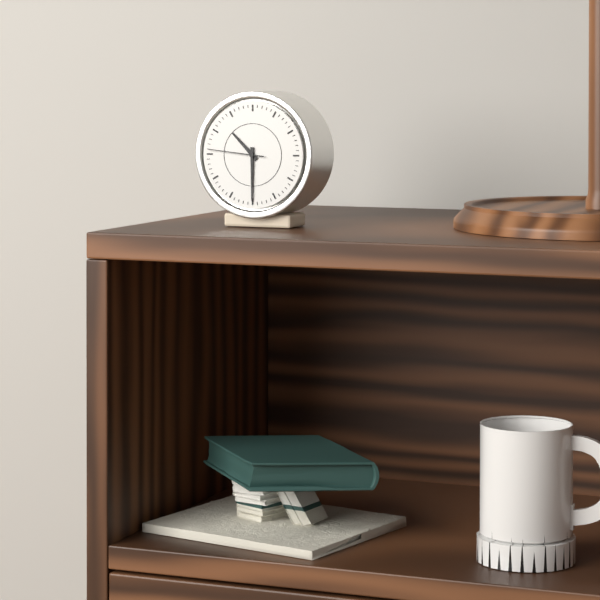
10:30:46
